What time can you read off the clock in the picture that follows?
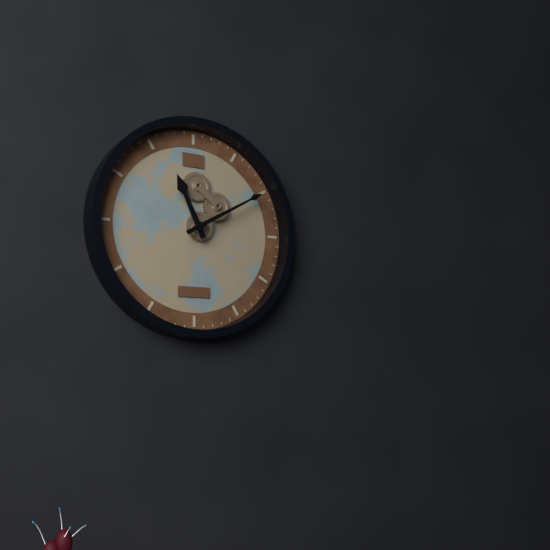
11:10
